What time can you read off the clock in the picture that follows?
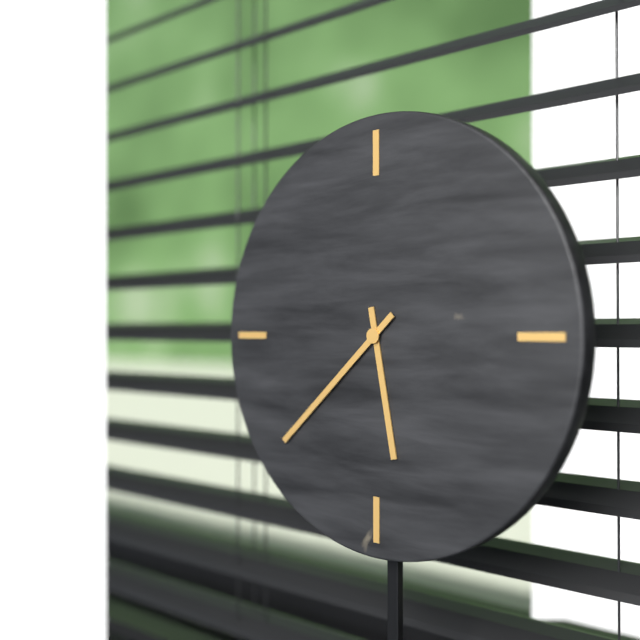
5:38
